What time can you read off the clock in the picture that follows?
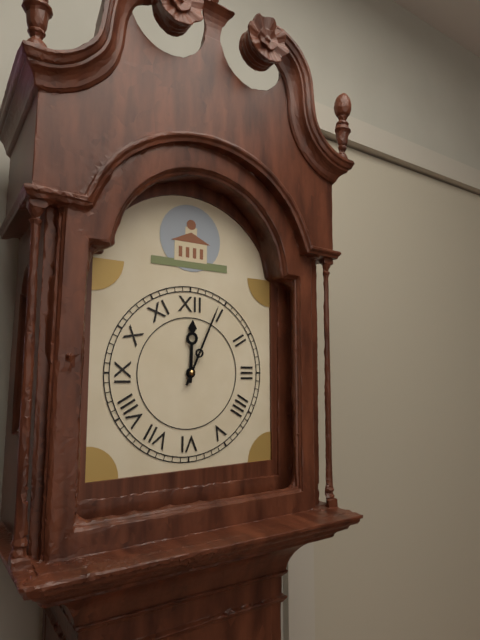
12:04
